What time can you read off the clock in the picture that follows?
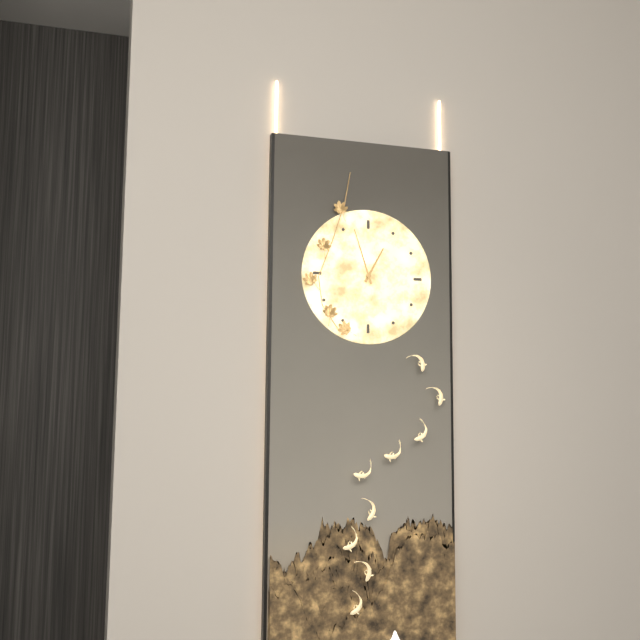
12:57
